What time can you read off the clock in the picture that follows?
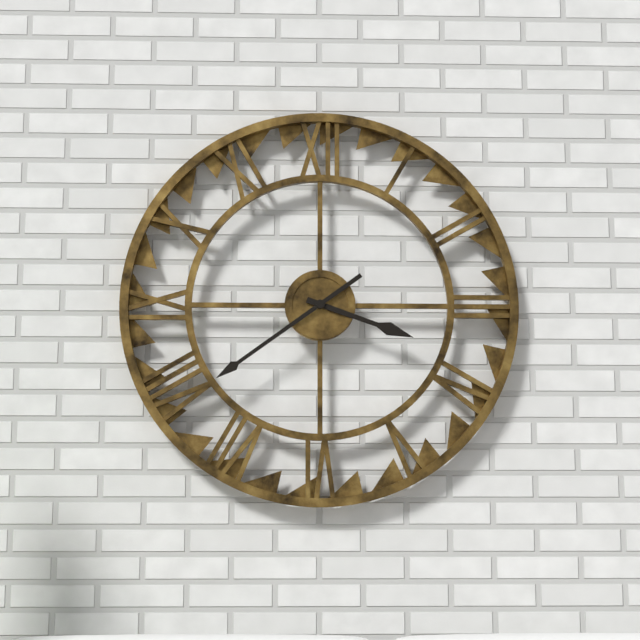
3:39
